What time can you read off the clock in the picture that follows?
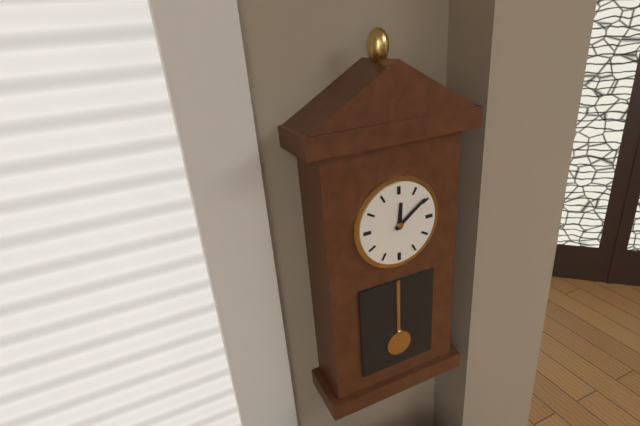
12:09
